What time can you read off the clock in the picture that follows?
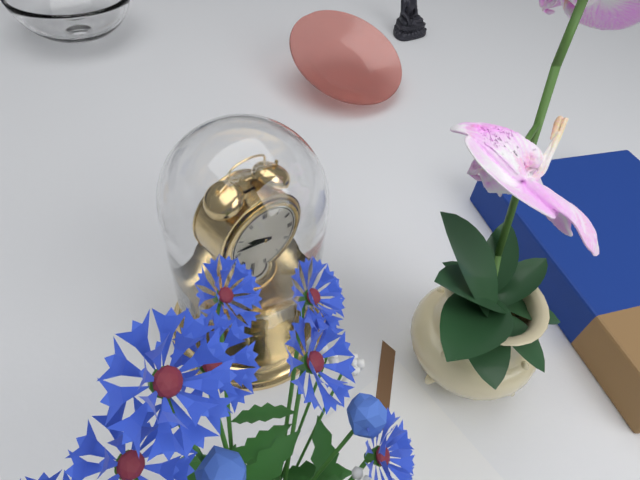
9:47
